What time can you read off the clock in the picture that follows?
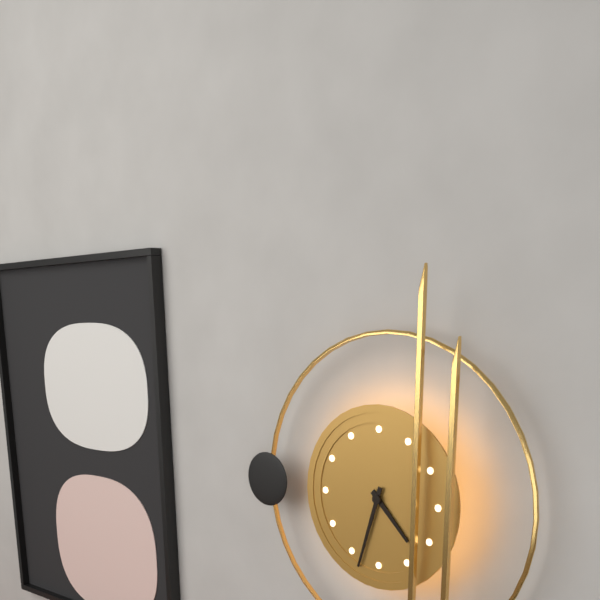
4:33
